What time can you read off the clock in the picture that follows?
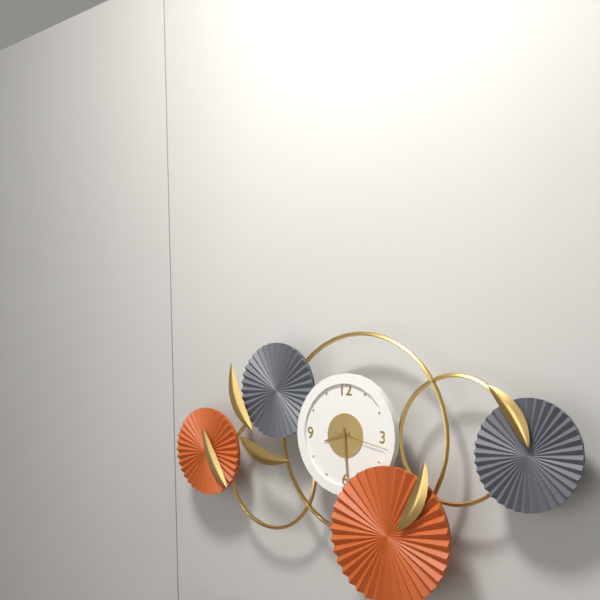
8:29:17
